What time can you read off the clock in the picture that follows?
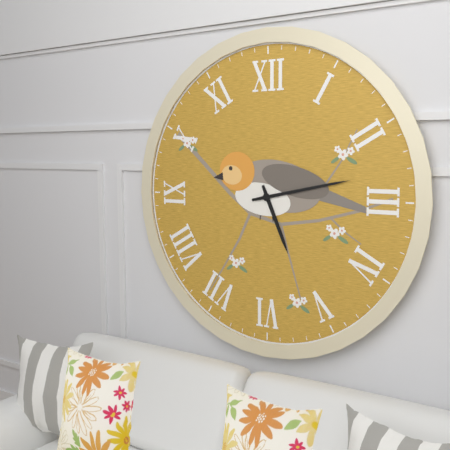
5:13
